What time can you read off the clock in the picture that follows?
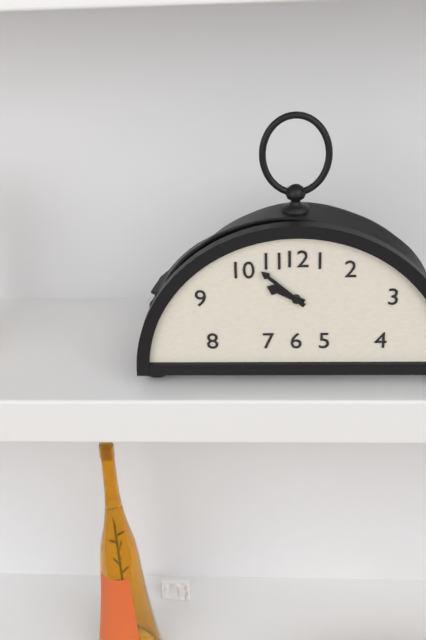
9:52
